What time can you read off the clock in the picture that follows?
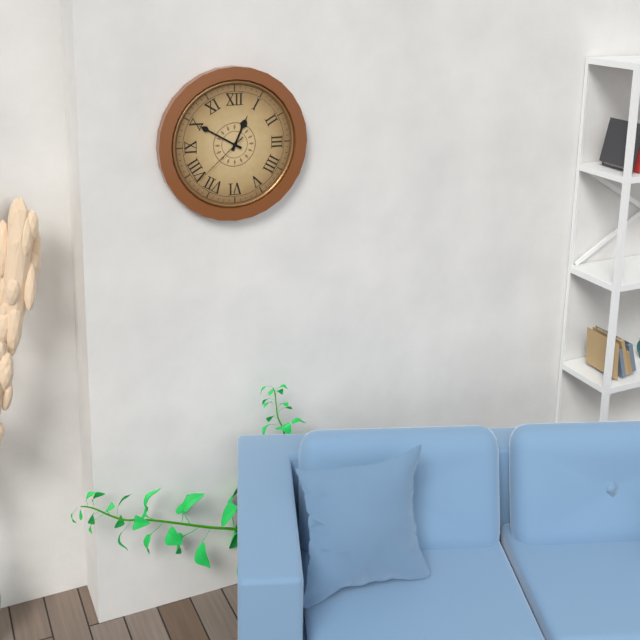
12:50:38
